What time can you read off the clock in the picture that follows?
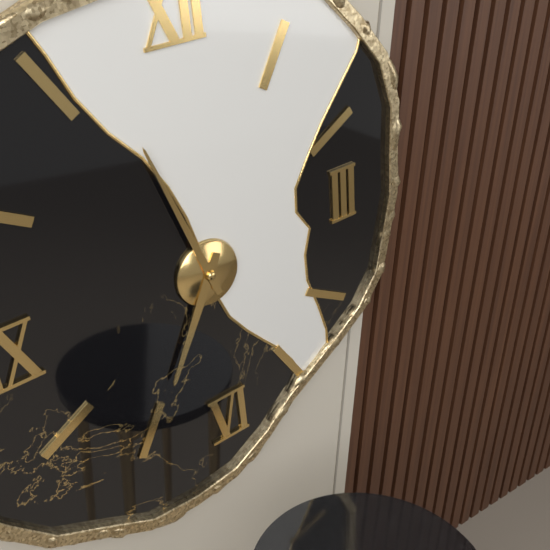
6:57
